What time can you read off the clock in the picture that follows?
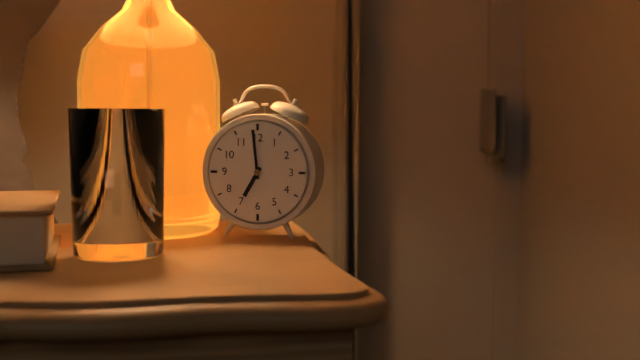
6:59
